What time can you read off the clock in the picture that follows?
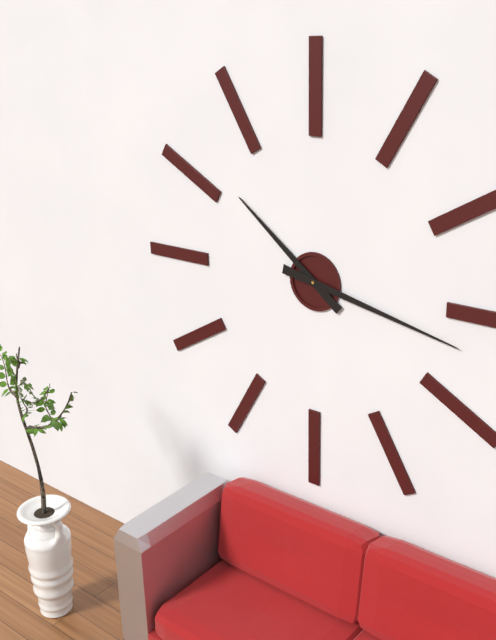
10:17
